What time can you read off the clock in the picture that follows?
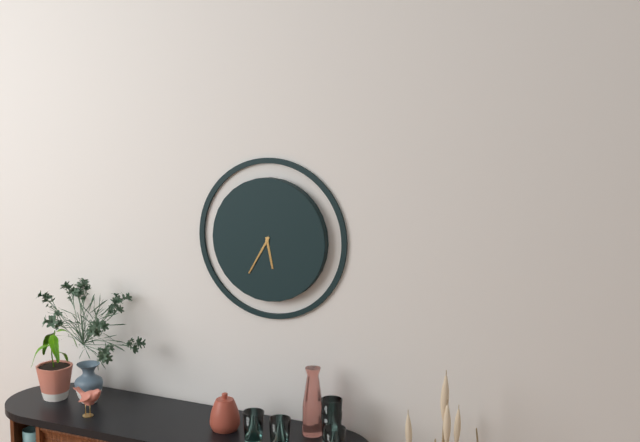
5:35
